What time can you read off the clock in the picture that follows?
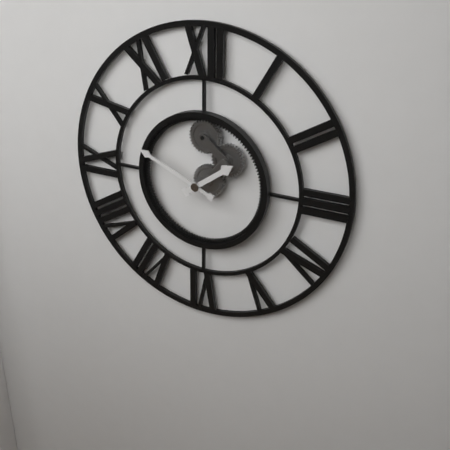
1:49
